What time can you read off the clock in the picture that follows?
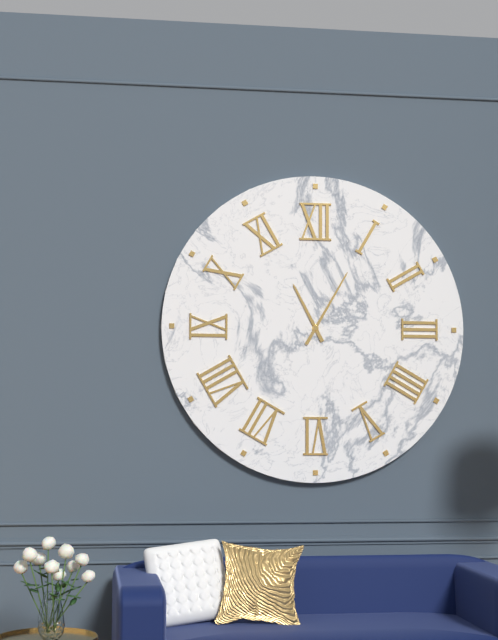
11:05
